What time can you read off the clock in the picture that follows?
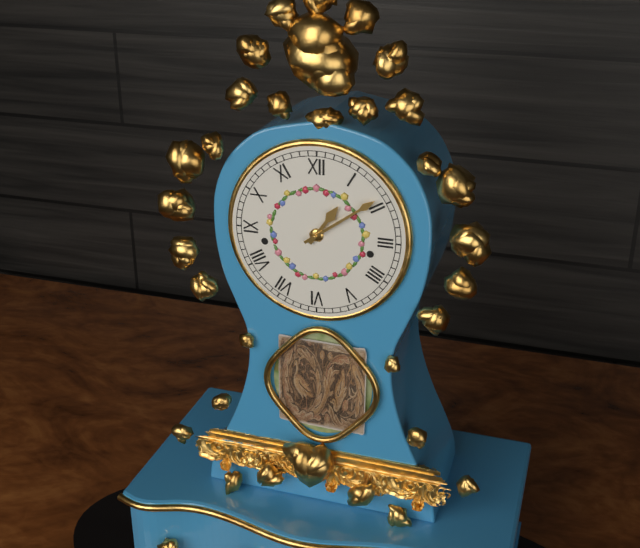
1:09
